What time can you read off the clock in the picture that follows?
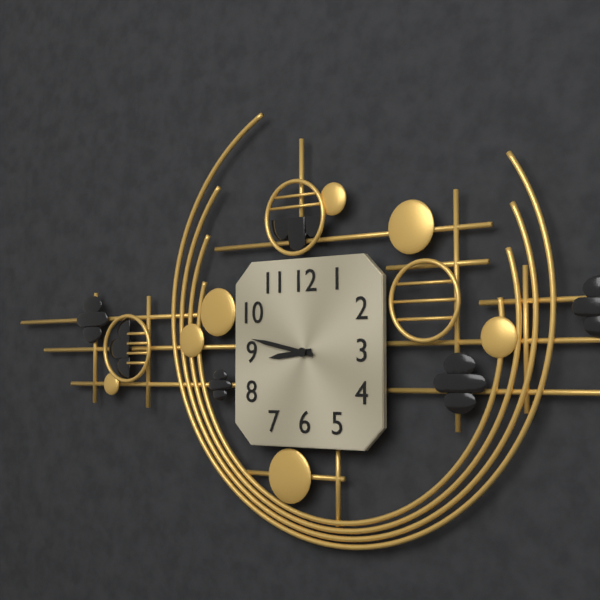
8:47
